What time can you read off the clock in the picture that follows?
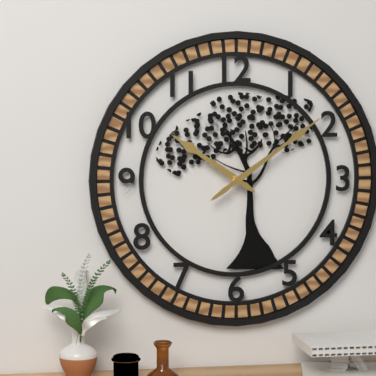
10:09
